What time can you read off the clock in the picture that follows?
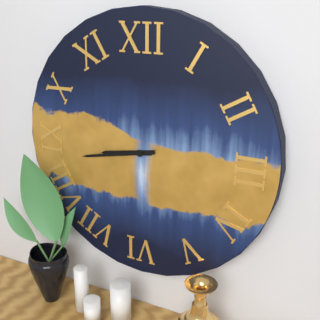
8:43
